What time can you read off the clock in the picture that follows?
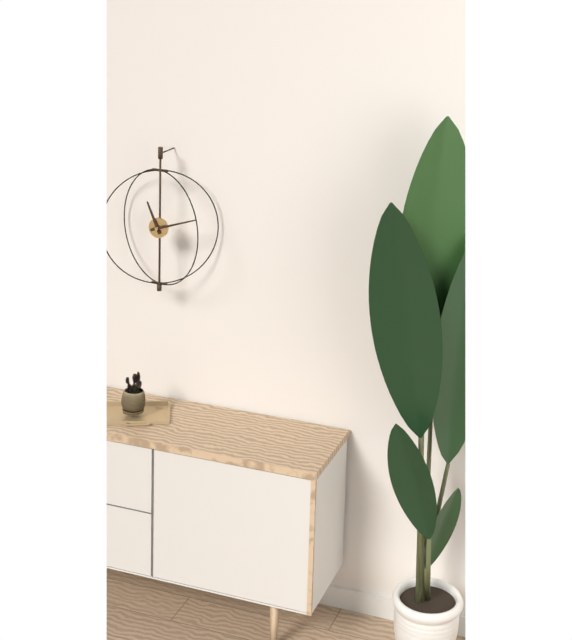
11:12
